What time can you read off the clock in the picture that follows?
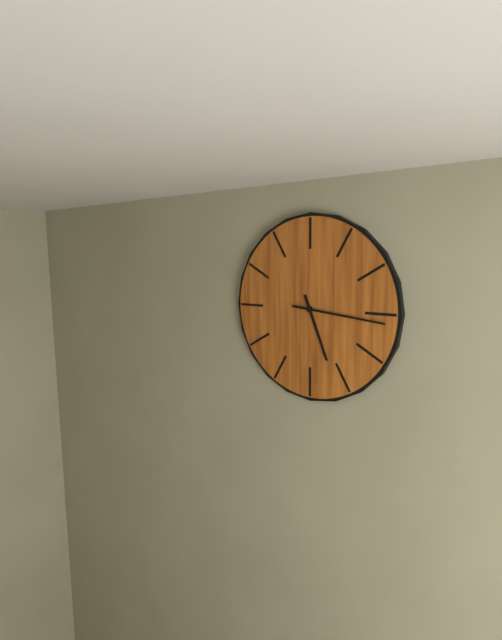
5:16
